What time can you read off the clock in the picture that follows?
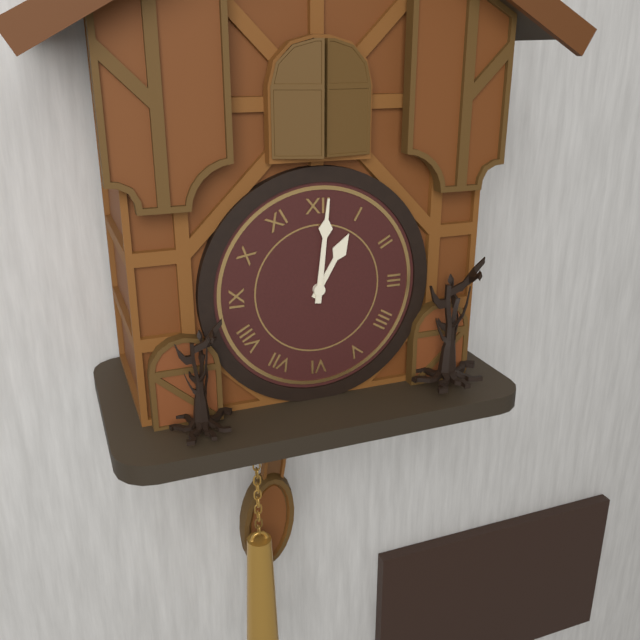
1:01
